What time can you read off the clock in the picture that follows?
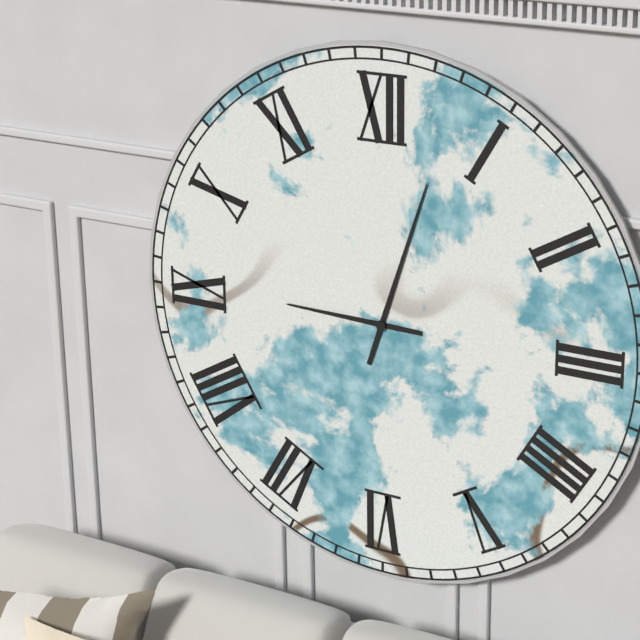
9:03
